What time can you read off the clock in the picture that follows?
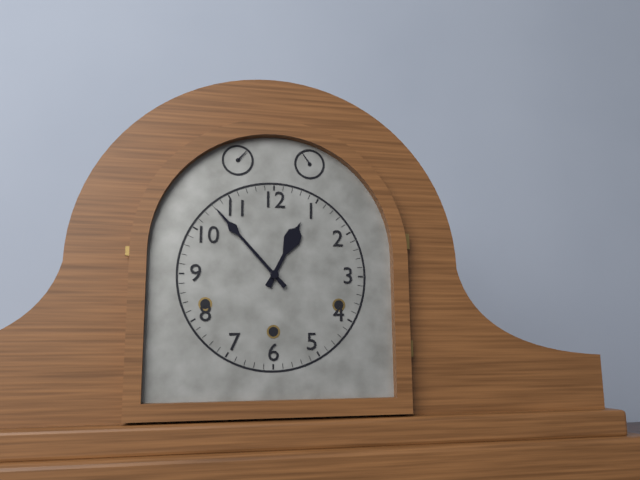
12:53
